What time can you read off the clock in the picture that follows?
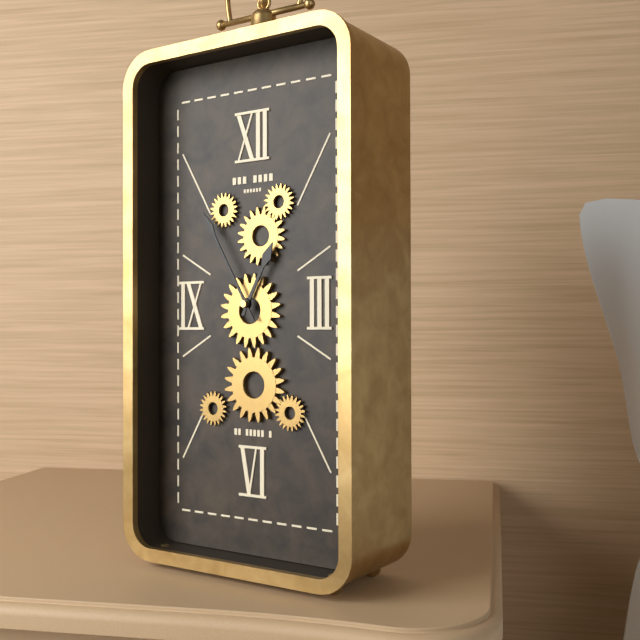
12:55
